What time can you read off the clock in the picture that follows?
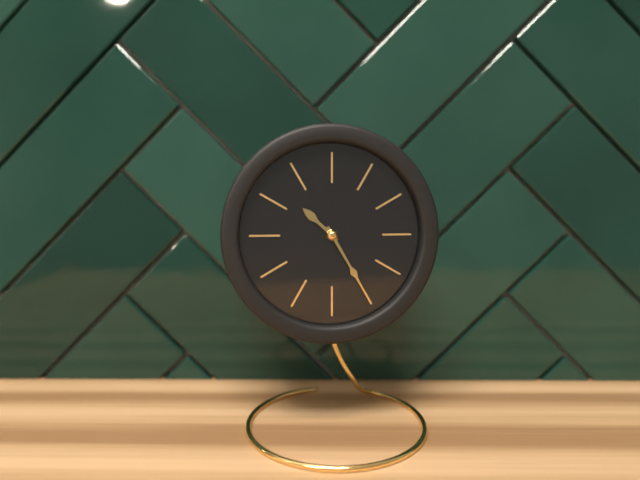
10:25
